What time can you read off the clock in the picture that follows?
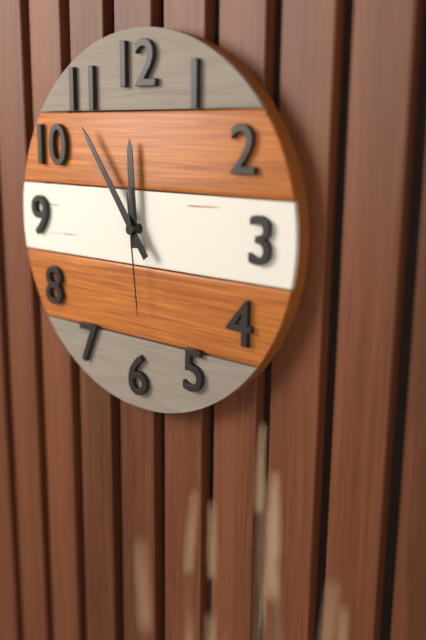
11:54:29
